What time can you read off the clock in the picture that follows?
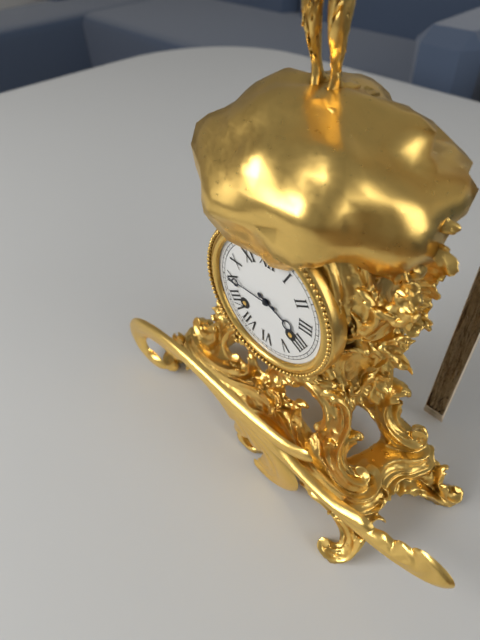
3:45
